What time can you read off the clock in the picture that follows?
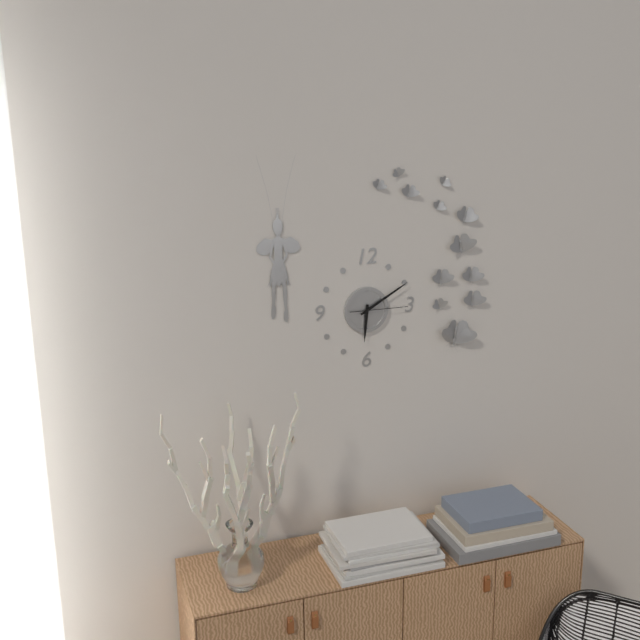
6:10:15
